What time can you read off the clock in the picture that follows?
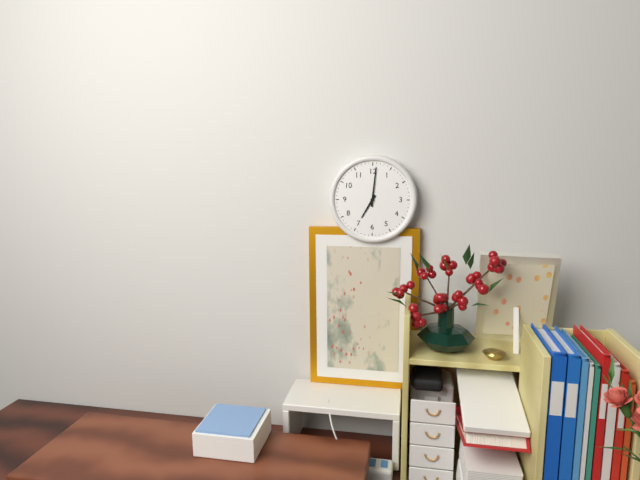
7:01
